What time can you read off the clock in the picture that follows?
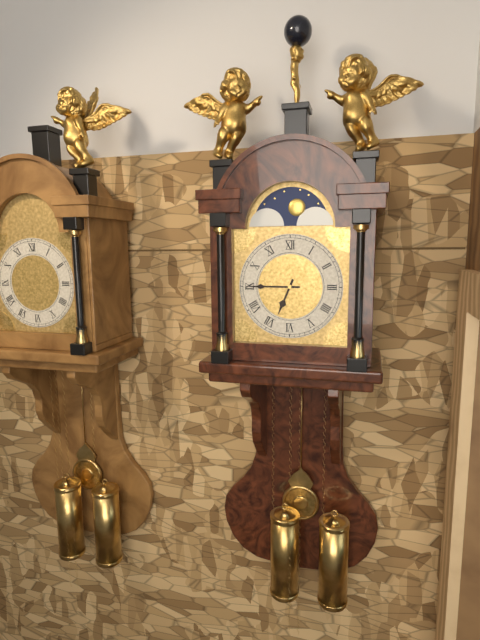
6:45
